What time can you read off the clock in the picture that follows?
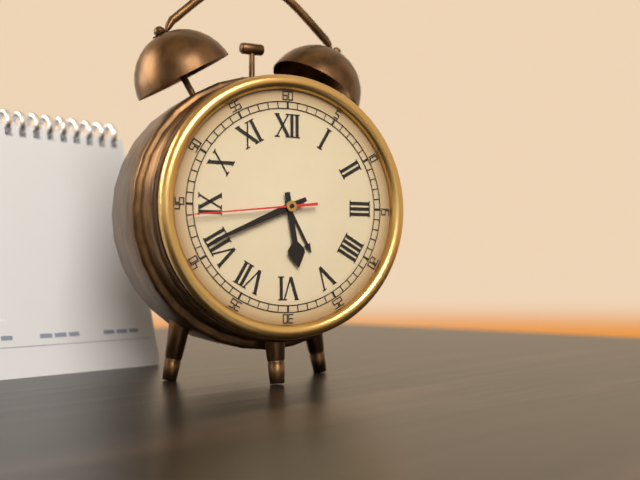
5:41:44
